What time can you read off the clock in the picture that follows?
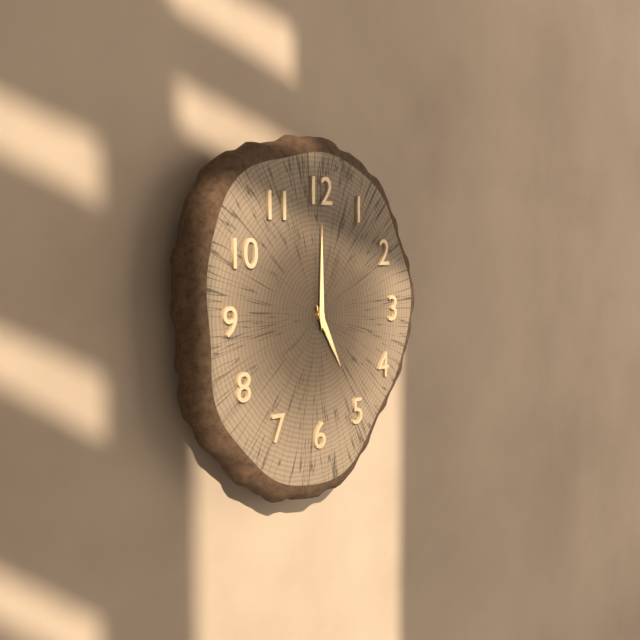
5:00
